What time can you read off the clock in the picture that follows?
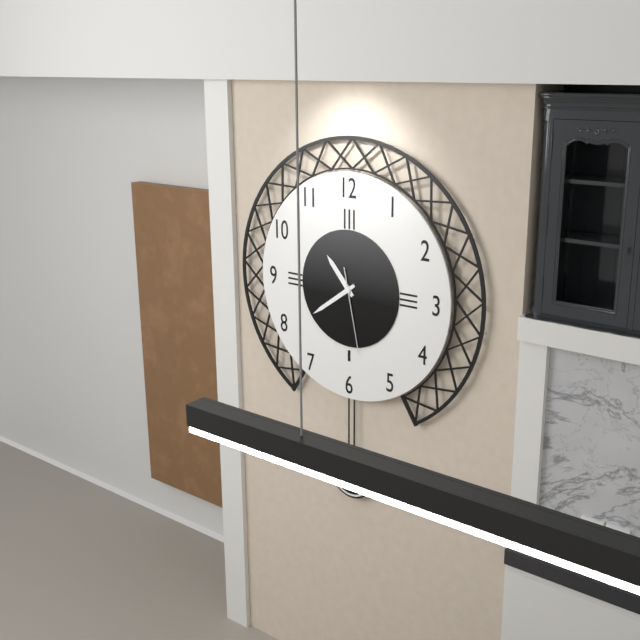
10:39:28
